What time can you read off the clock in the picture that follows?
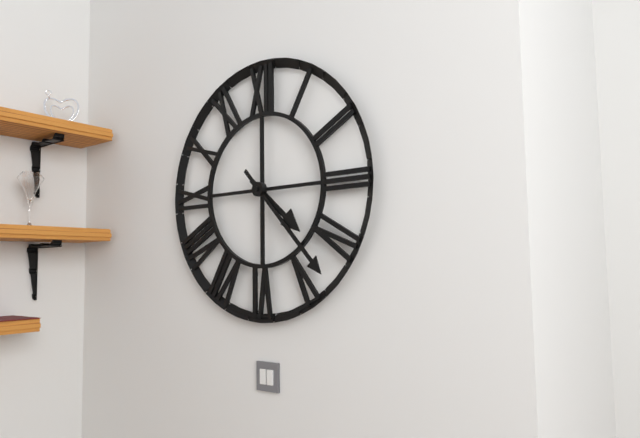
4:23
